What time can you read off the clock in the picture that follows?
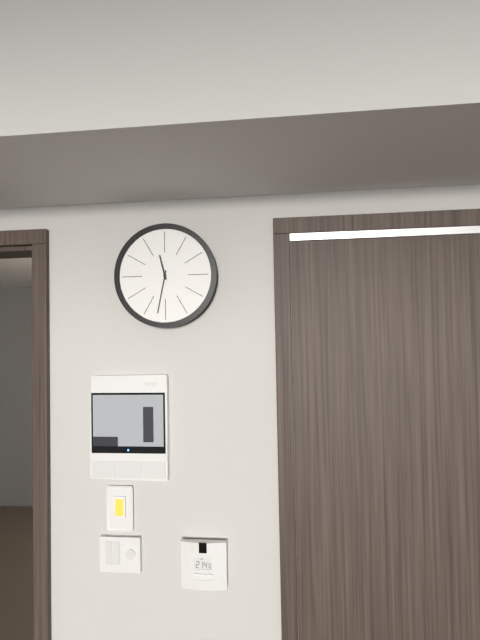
11:32
